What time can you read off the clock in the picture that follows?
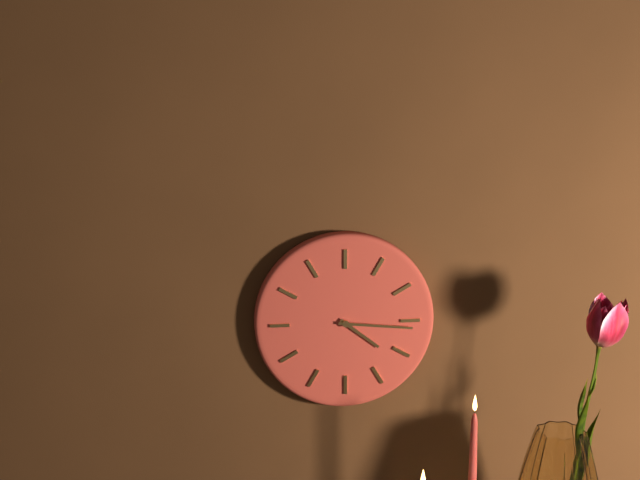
4:16
